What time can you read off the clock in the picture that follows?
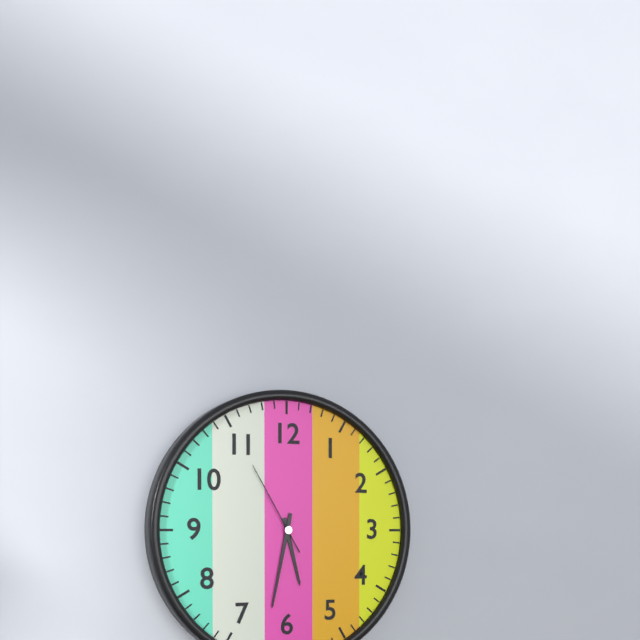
5:32:55
